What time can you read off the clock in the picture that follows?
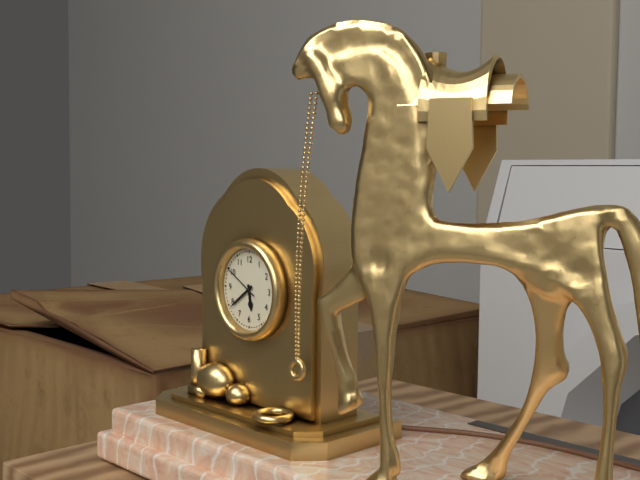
5:39
